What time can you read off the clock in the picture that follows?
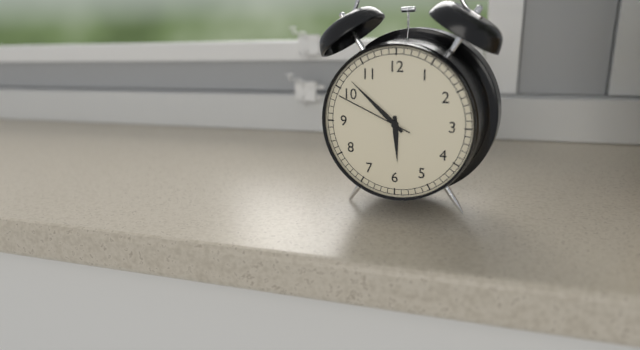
5:52:49
